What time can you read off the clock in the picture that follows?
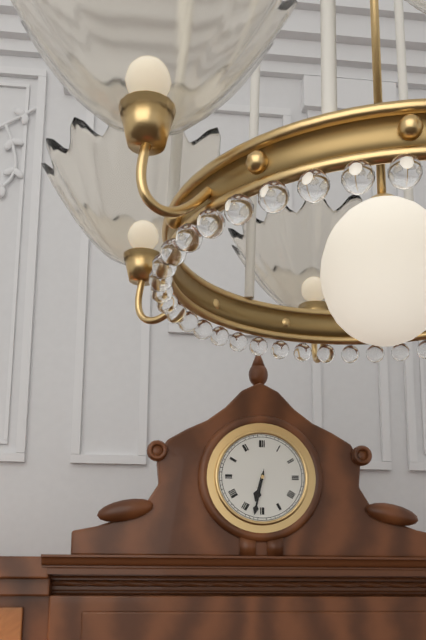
6:32
